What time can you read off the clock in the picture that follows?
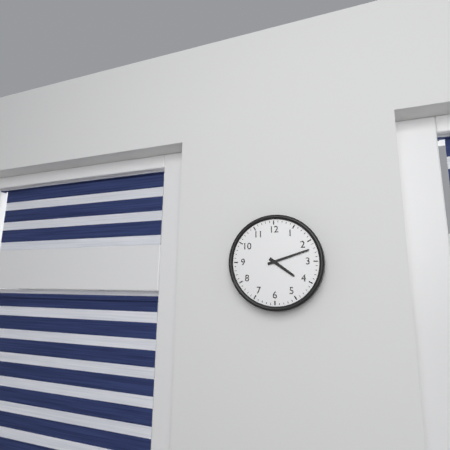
4:12
